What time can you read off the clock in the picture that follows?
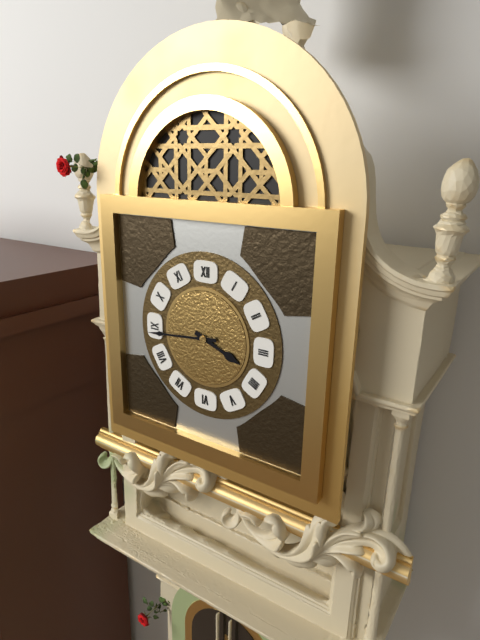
3:44
